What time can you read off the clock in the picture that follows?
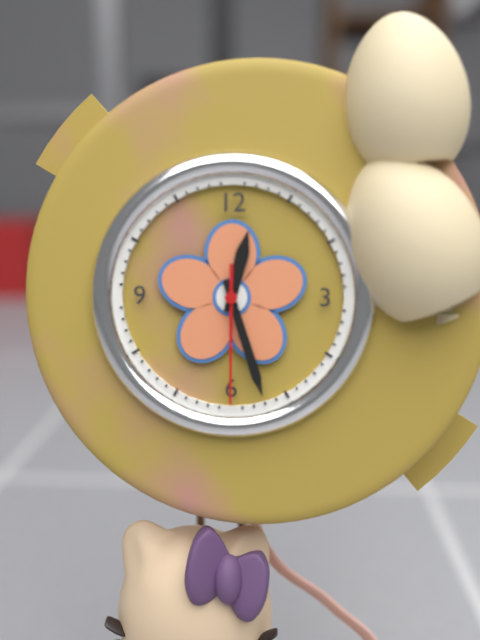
12:27:30
